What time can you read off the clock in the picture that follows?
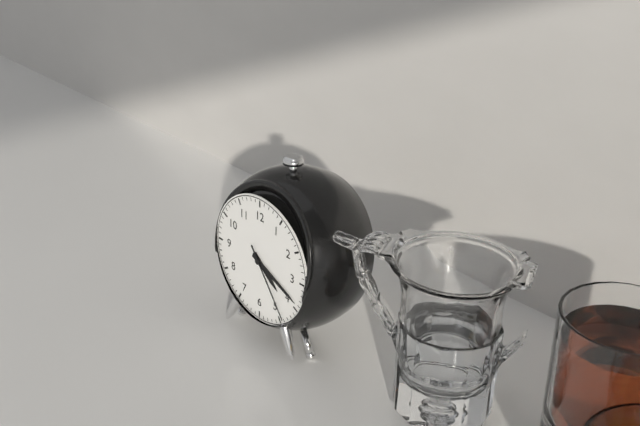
4:19:24
